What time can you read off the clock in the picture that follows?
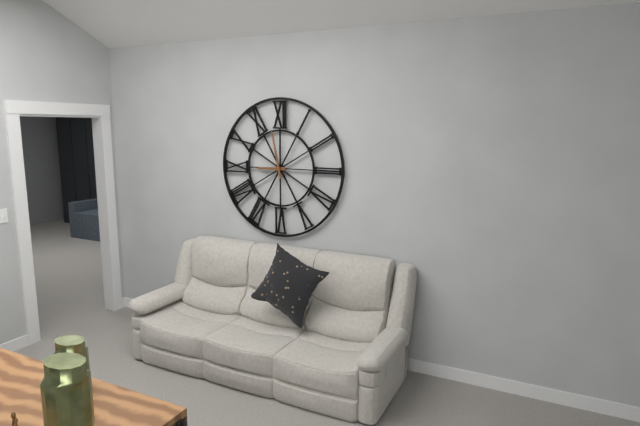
8:58
